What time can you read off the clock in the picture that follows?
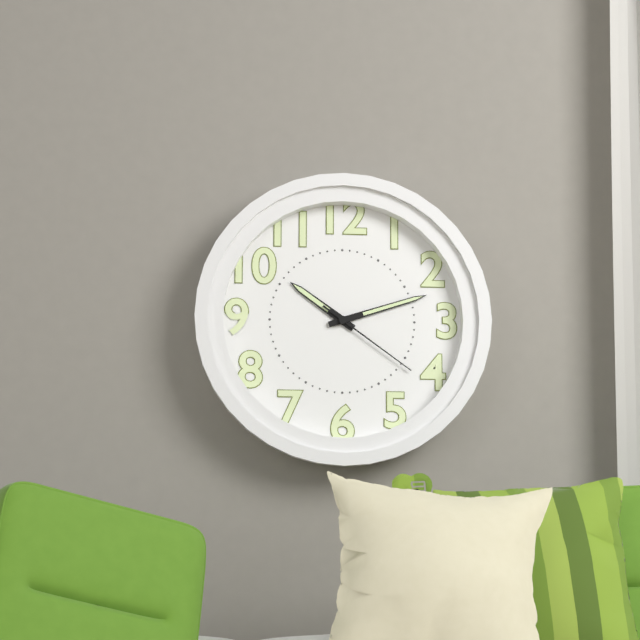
10:12:21
